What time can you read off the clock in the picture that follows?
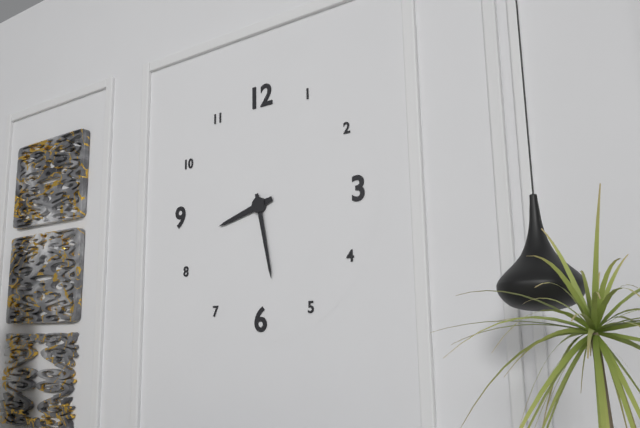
8:28
